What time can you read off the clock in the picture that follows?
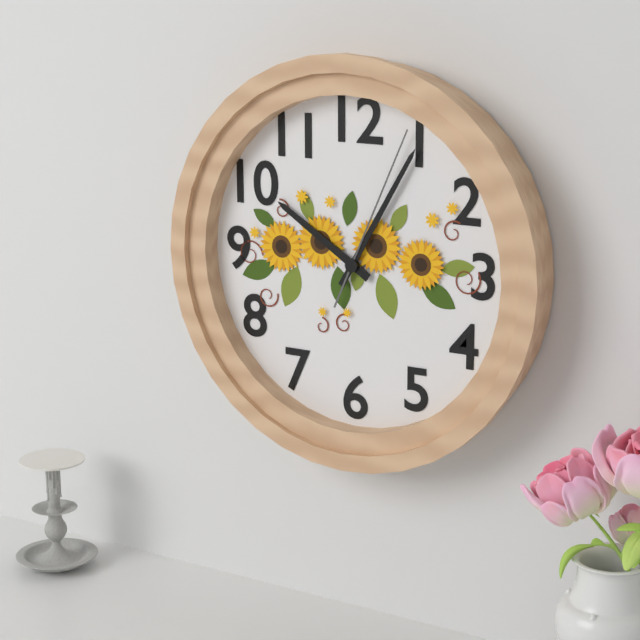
10:05:04
